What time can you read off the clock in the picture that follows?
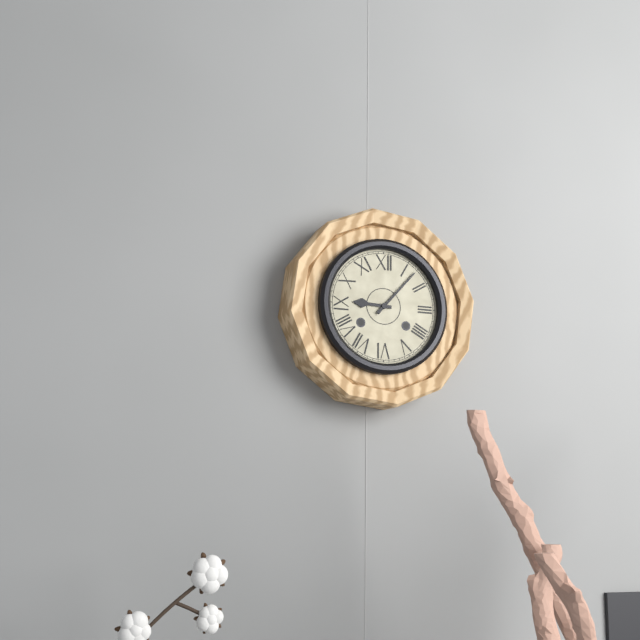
9:07
